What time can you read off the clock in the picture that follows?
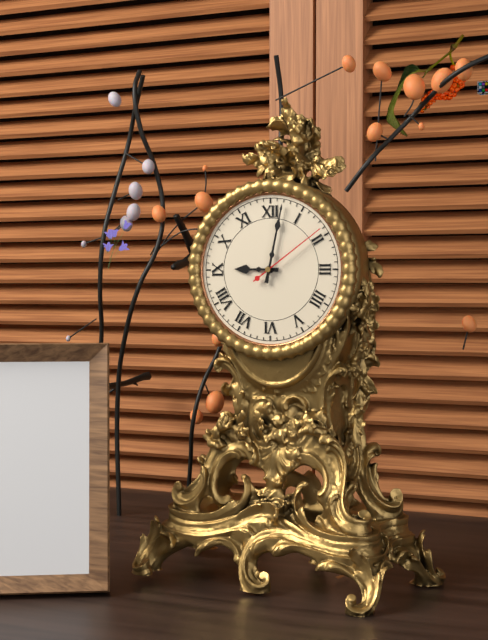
9:02:09
